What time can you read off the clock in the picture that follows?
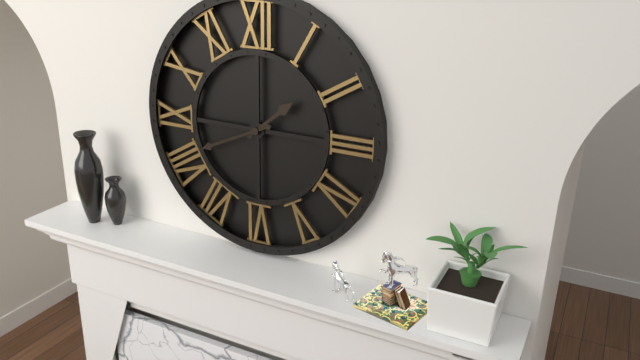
1:41
